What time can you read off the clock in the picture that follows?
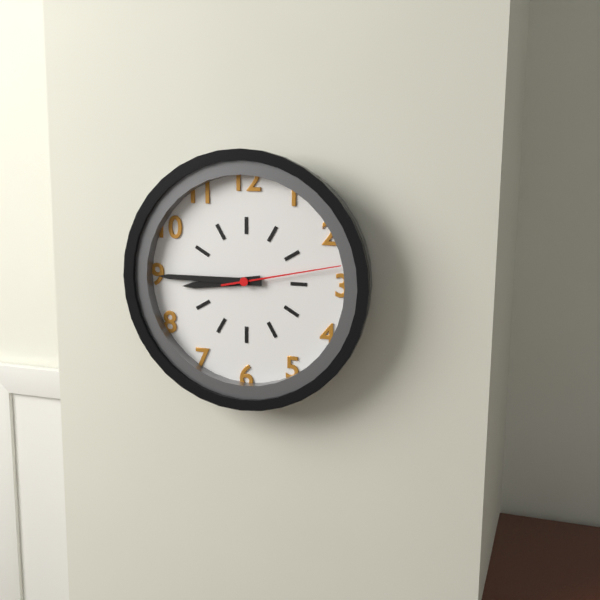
8:45:13
